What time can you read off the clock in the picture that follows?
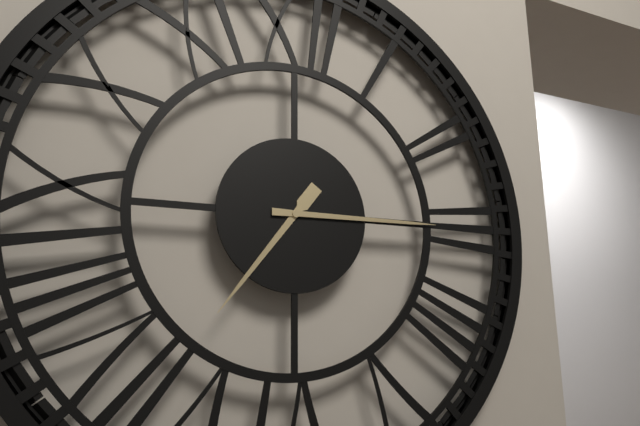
7:15
